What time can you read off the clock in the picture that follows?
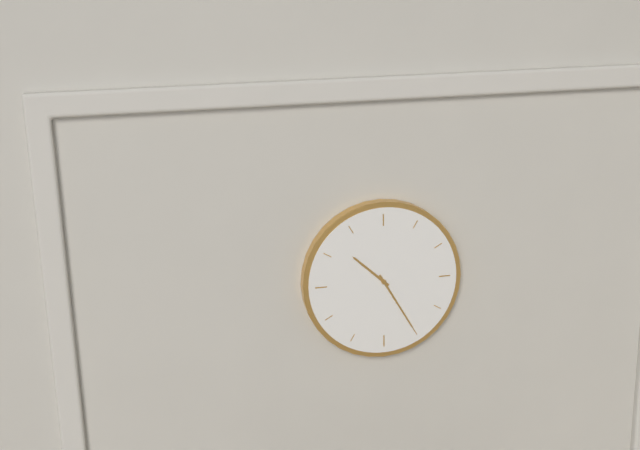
10:25
